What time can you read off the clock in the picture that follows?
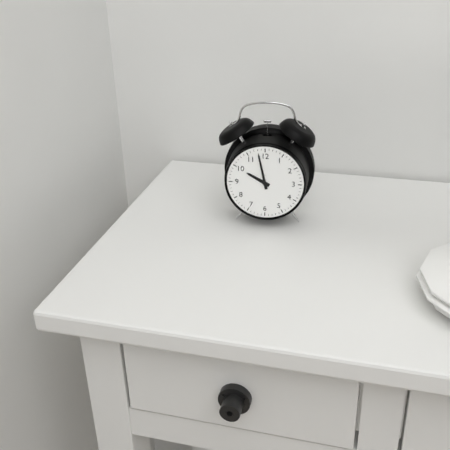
9:58
